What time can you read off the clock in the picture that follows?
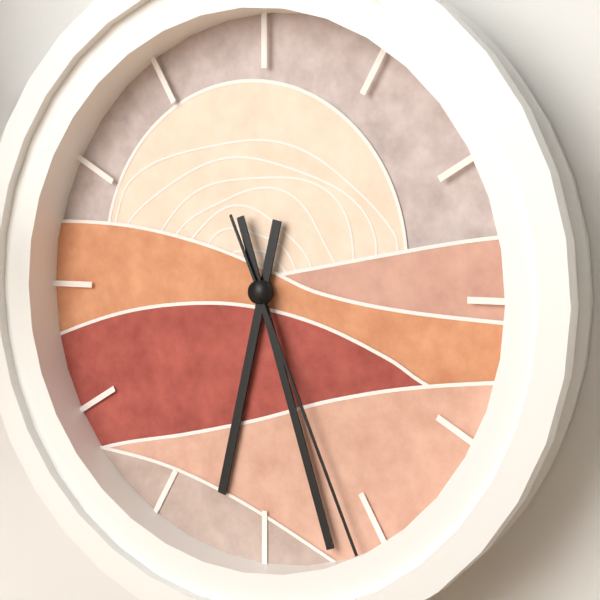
6:27:26
